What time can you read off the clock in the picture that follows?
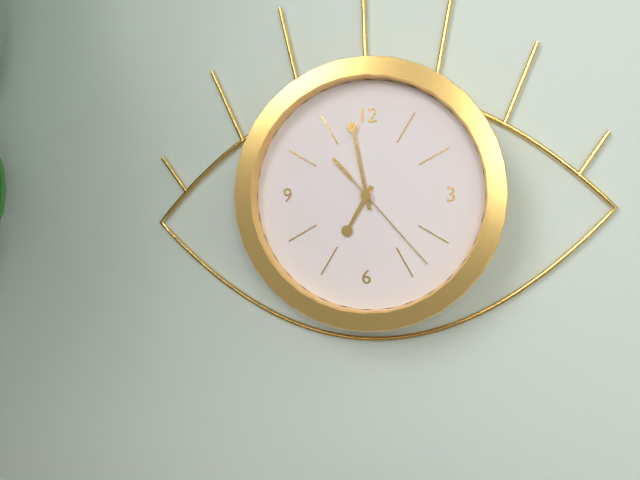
6:58:23
